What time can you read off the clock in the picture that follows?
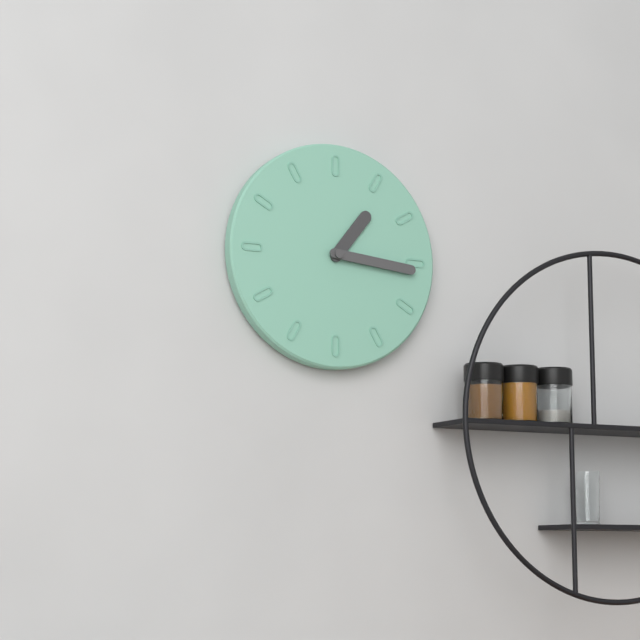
1:16
